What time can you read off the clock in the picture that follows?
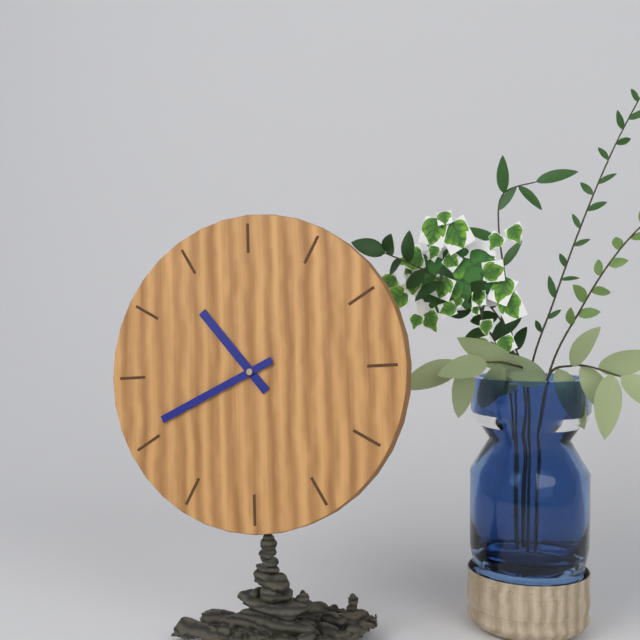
10:41
